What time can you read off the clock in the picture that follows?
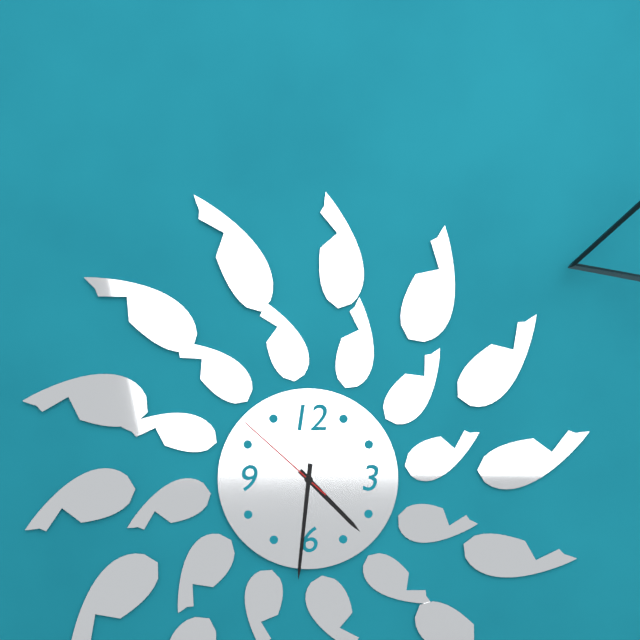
4:31:52
